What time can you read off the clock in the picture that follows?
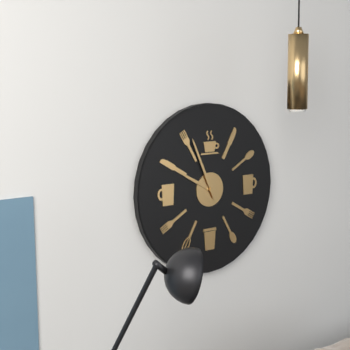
9:56
